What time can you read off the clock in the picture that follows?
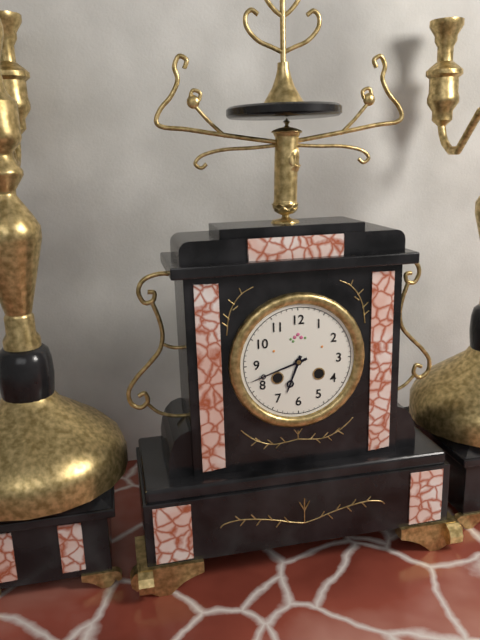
6:42
